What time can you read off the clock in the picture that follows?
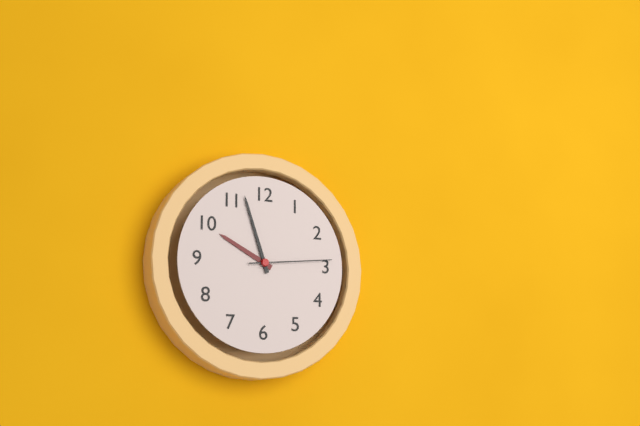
9:57:14
